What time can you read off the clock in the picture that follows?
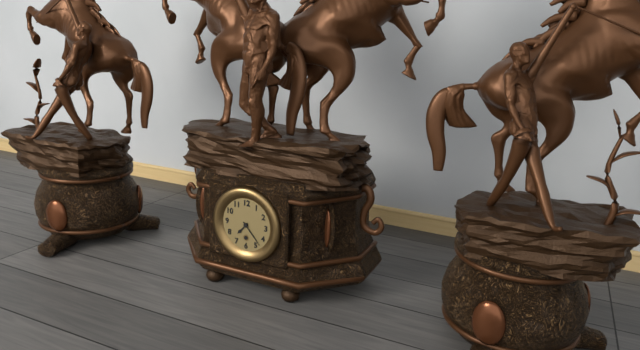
7:23
